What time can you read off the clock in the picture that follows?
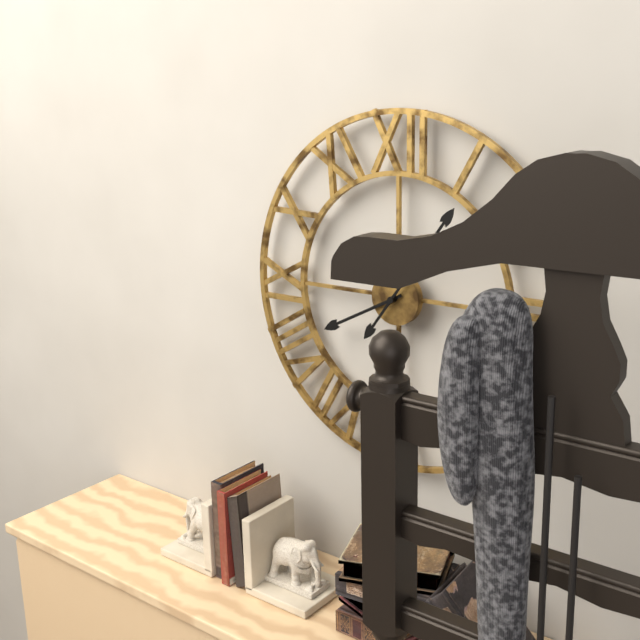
8:06
